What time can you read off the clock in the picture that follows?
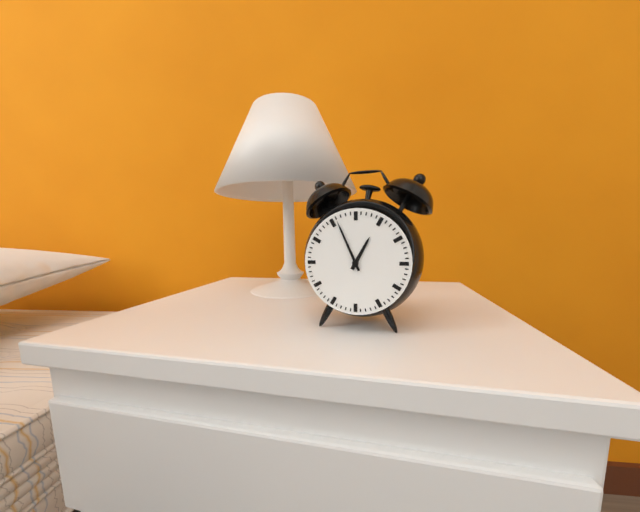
12:56
